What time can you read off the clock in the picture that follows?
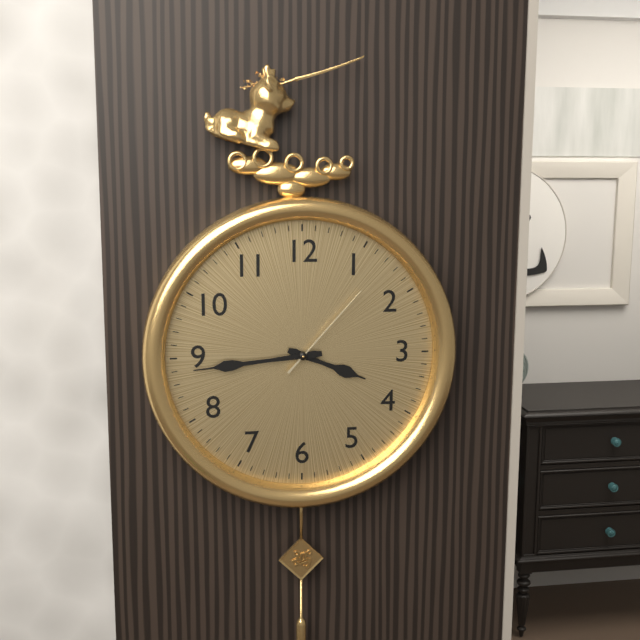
3:44:07
